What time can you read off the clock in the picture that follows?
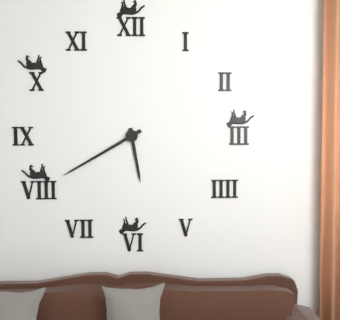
5:40
